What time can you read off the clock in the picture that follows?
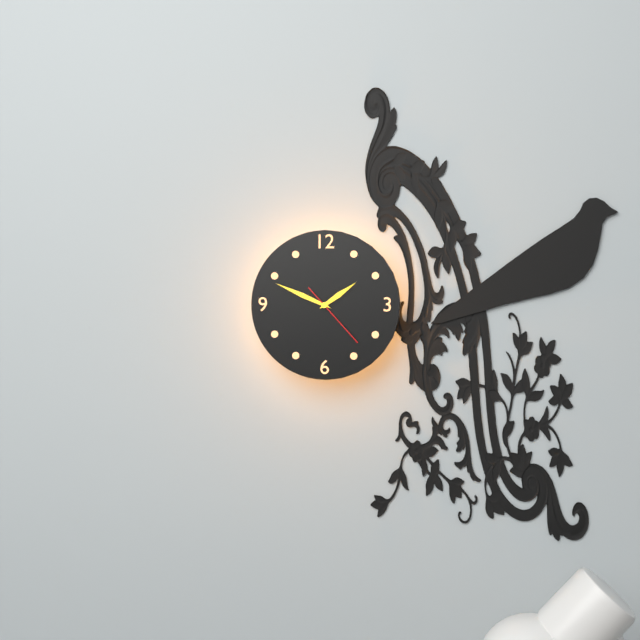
1:49:23
